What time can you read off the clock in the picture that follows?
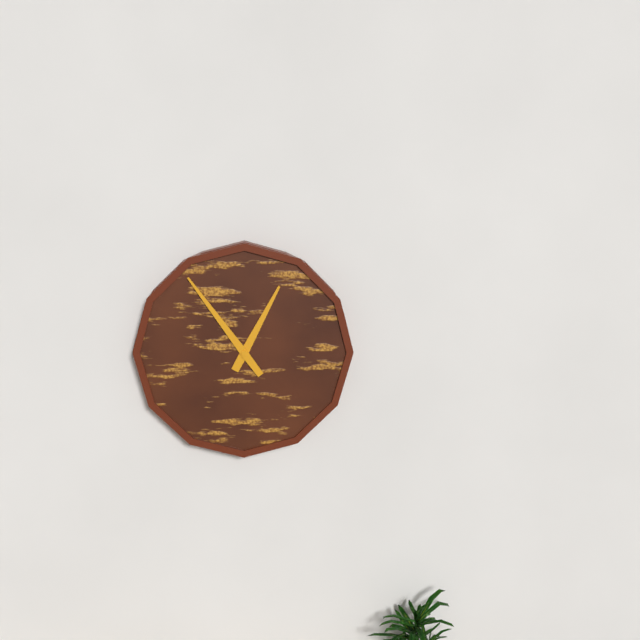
12:54
